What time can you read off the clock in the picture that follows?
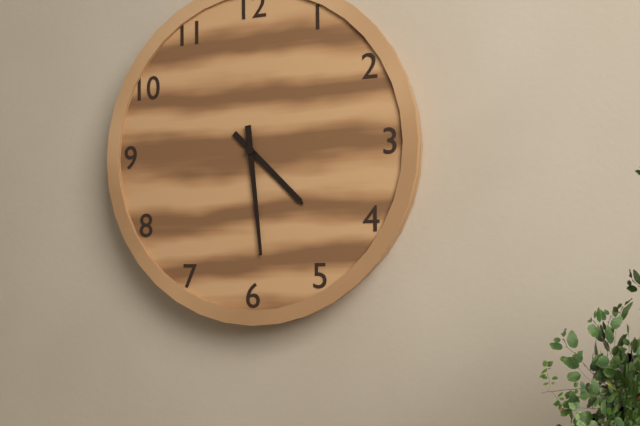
4:29
